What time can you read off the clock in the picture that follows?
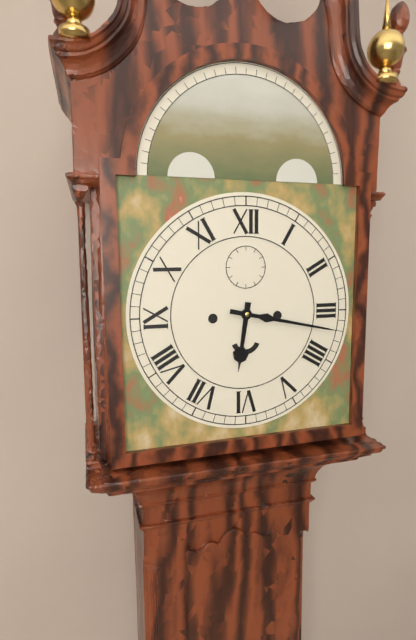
6:17
